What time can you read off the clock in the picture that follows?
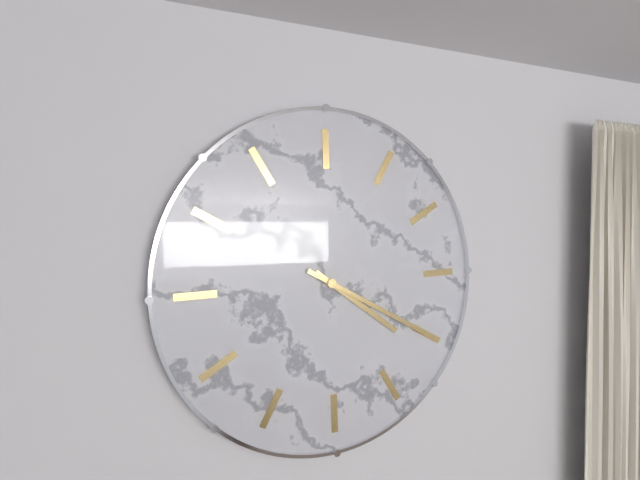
3:15
